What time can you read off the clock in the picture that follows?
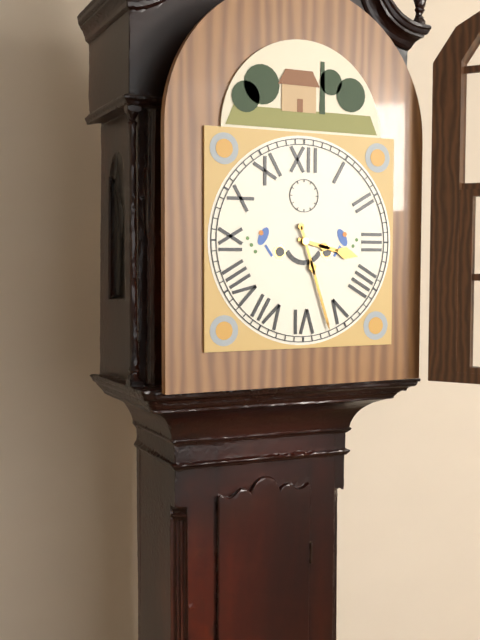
3:27
